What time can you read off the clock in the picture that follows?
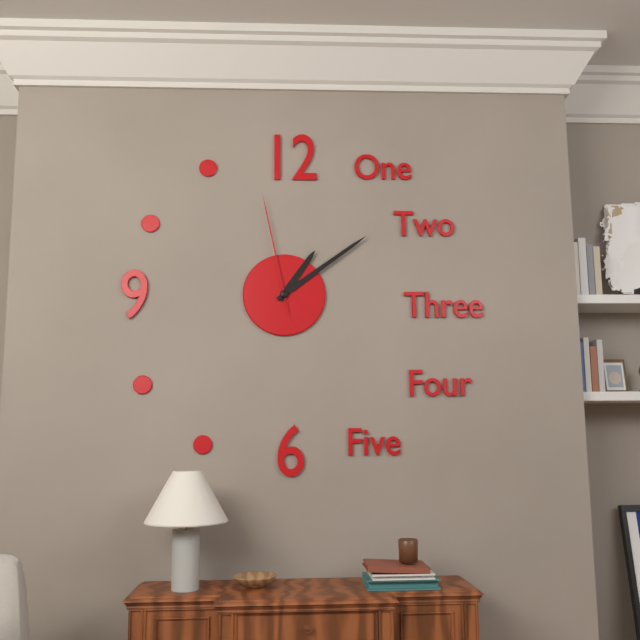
1:09:58
